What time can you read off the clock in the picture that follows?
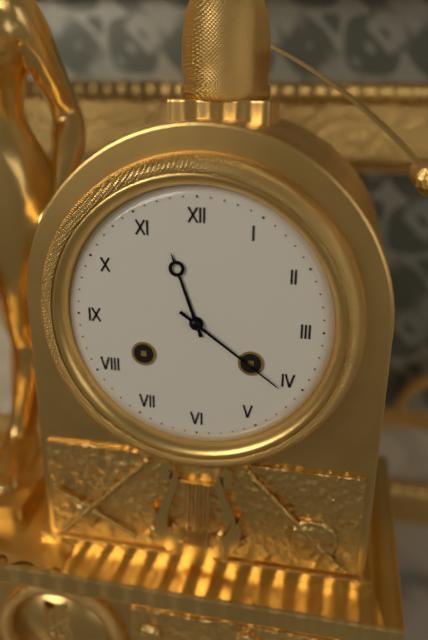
11:21
